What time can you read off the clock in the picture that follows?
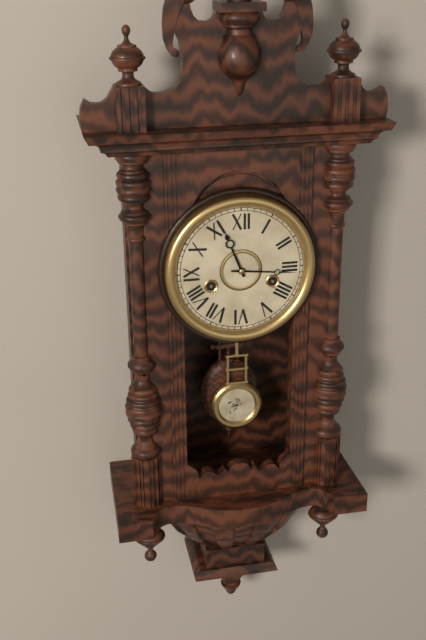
11:16
